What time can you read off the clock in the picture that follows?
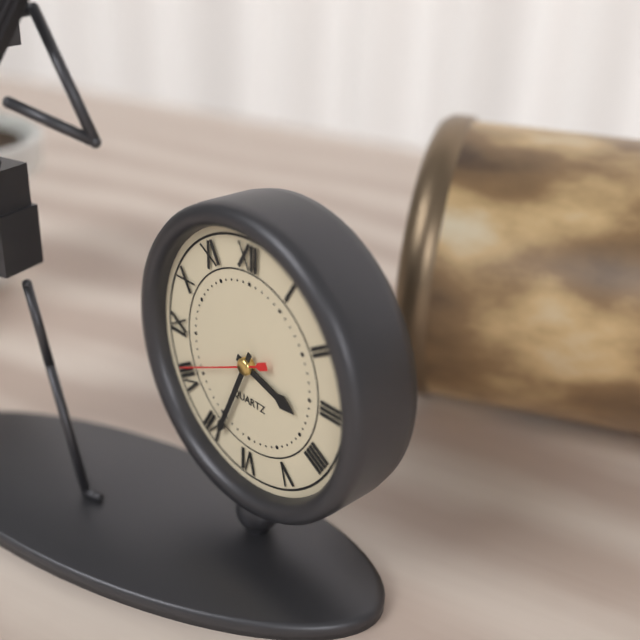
3:34:41
